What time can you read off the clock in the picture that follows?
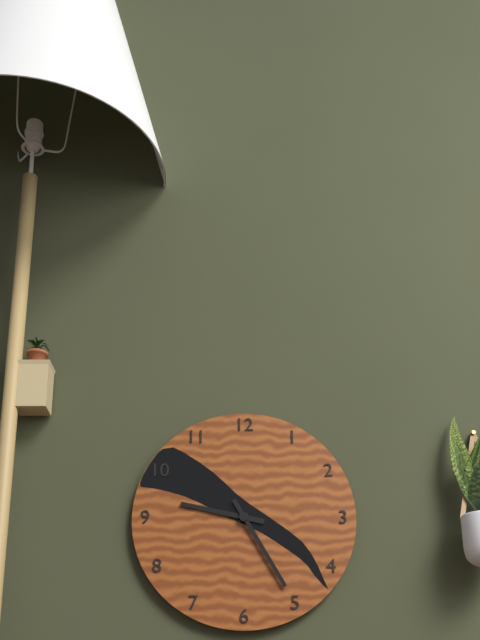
9:25
